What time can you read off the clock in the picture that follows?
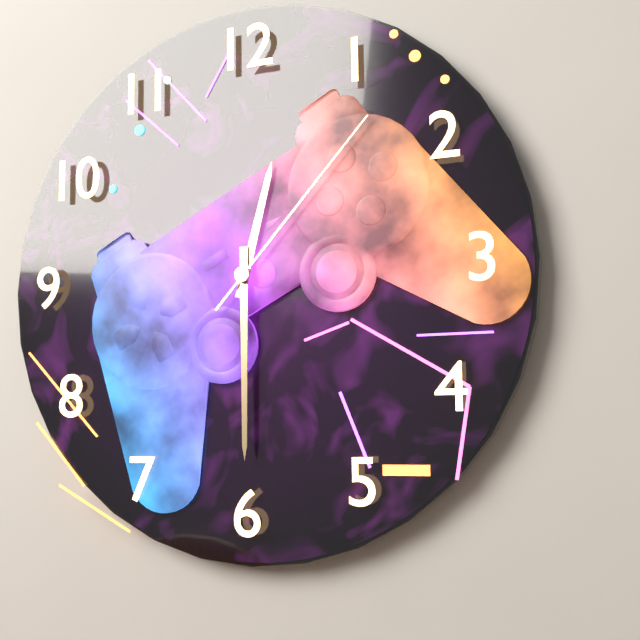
12:30:07
